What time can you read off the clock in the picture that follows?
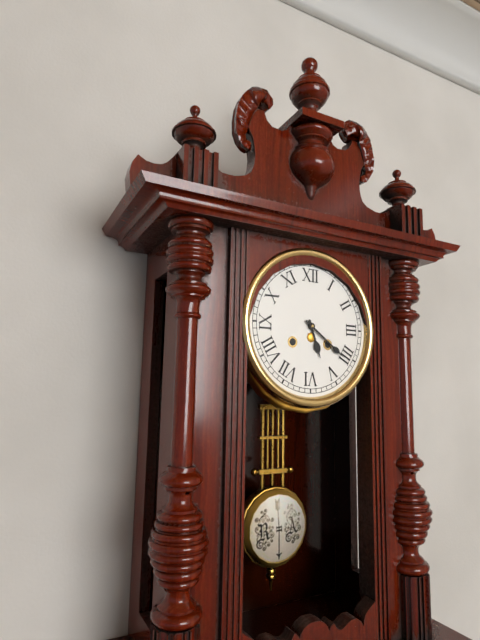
5:21
